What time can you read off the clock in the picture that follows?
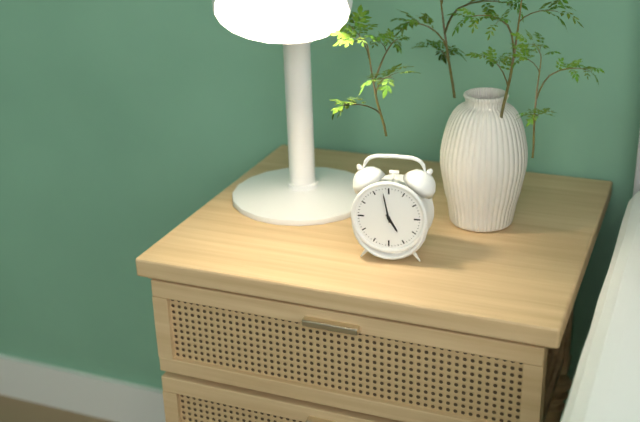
4:58
